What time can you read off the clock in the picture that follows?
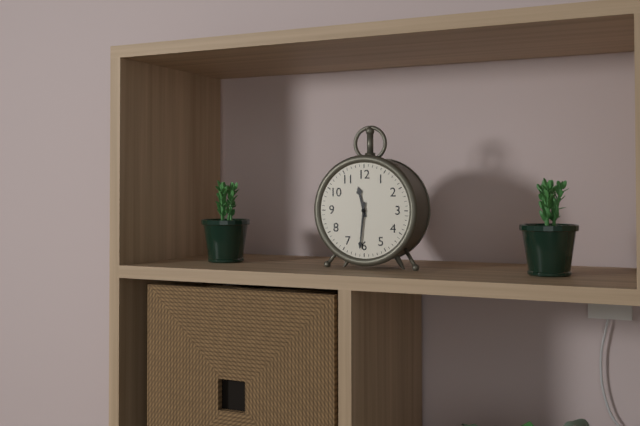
11:31
